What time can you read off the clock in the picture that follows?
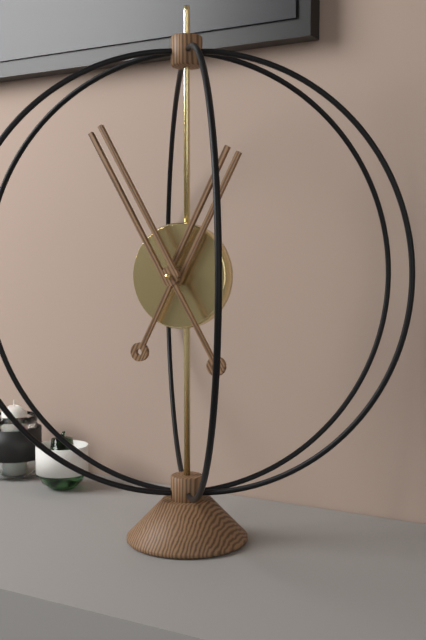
12:55
